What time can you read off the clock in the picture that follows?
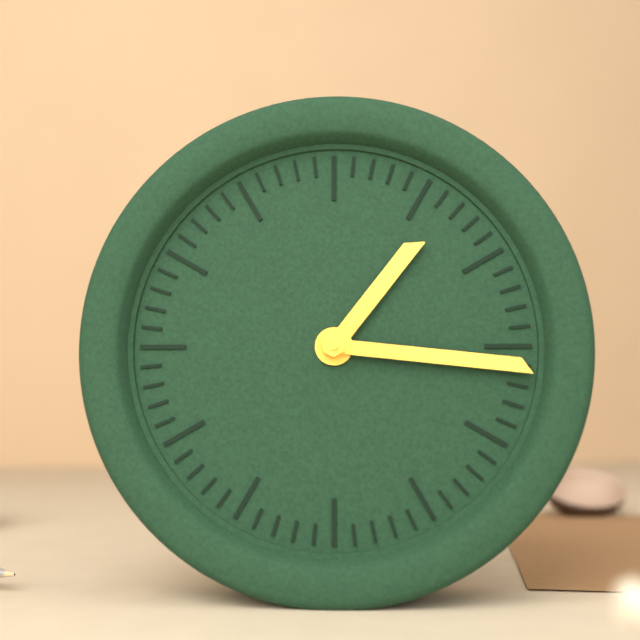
1:16
